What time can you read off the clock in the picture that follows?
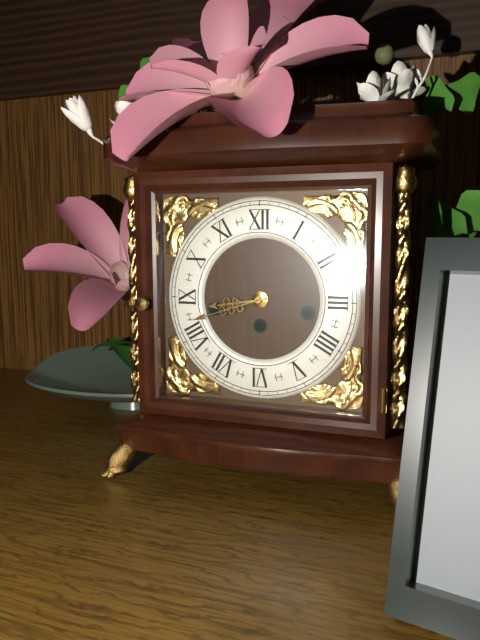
8:42
